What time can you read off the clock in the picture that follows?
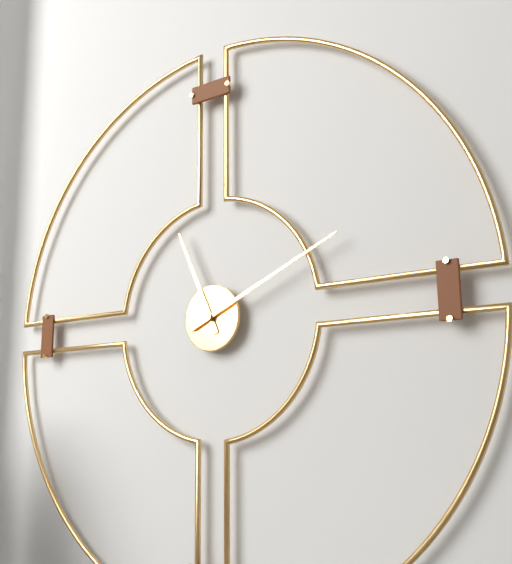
11:11
